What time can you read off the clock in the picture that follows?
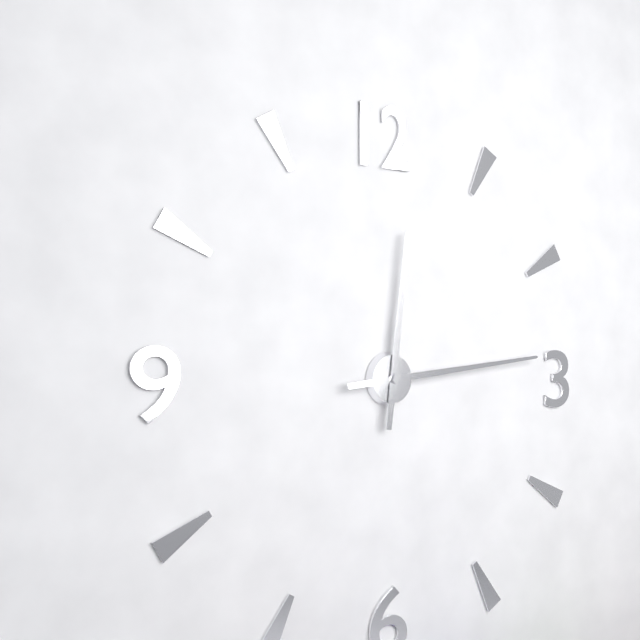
12:14
